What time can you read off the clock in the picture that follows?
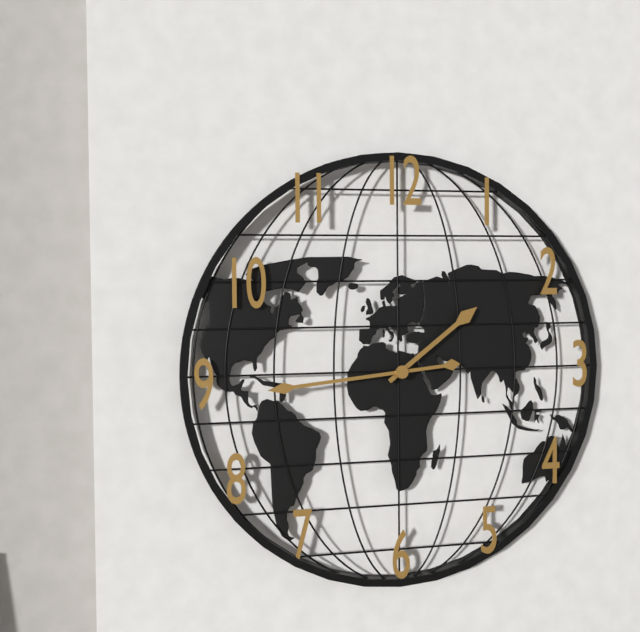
1:44
